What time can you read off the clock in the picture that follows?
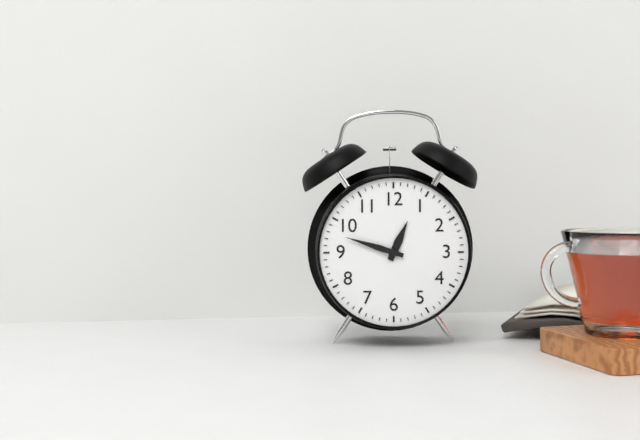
12:48
